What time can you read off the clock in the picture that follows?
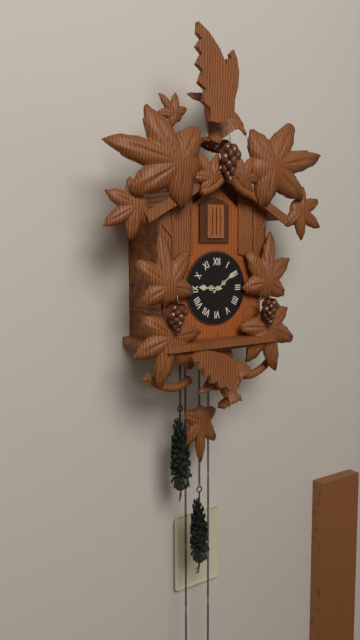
9:09
